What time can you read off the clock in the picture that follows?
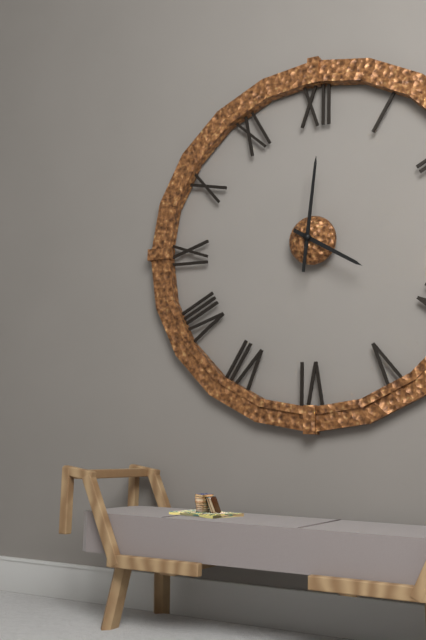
4:01
